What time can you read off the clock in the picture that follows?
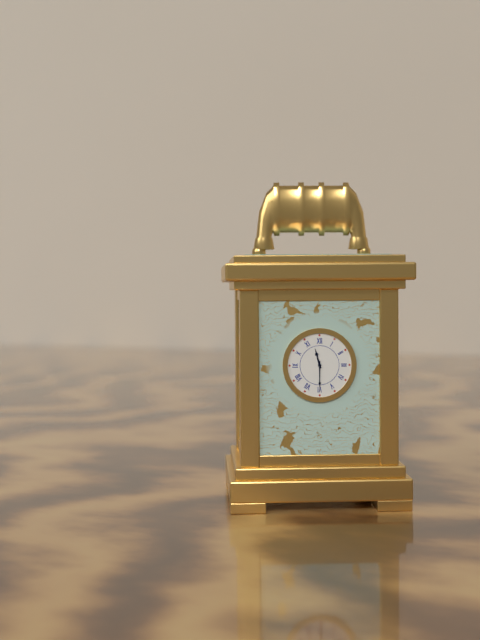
11:30
